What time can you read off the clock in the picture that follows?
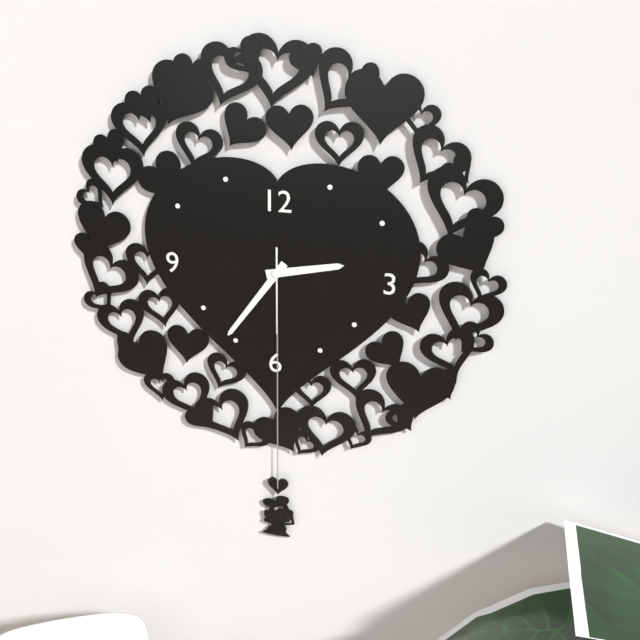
2:36:30
